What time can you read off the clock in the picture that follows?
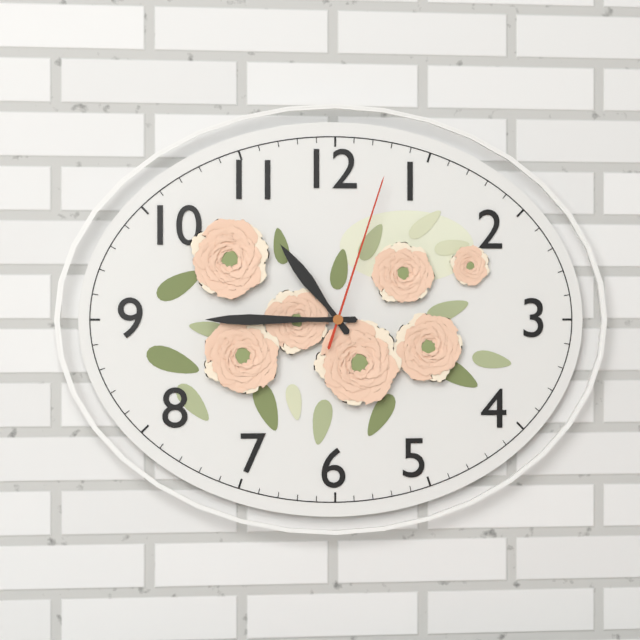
10:45:03
